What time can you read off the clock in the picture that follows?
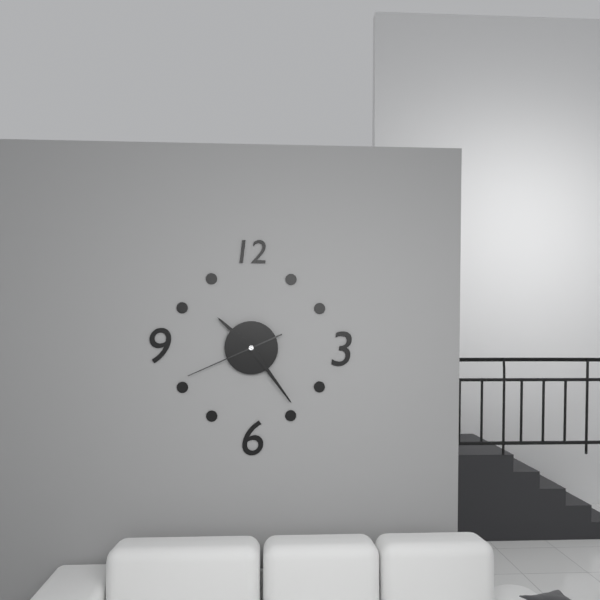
10:24:41
